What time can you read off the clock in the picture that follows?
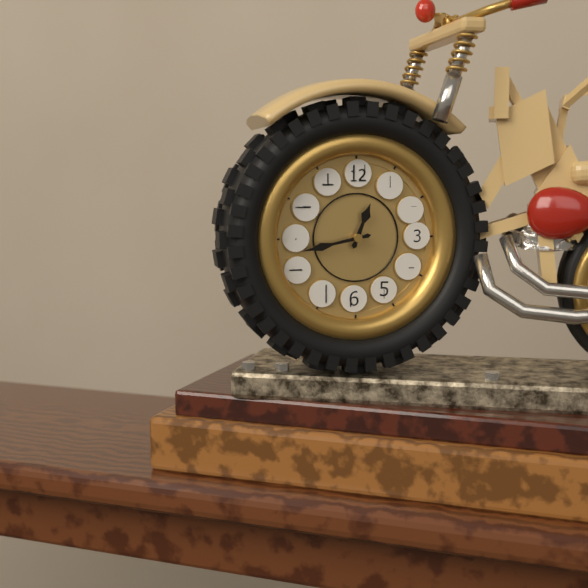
12:43
